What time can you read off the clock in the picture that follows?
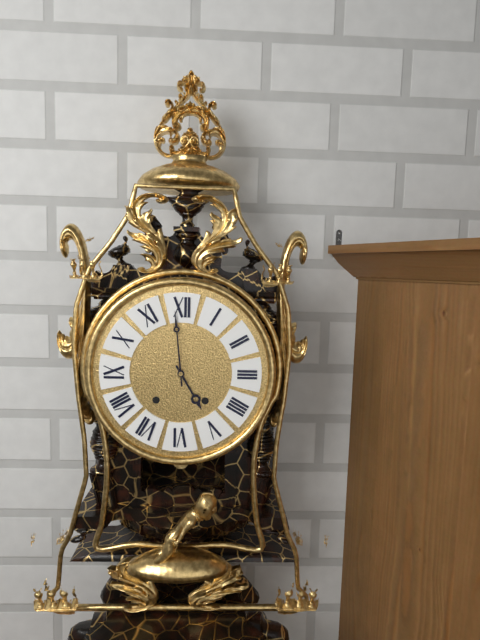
4:59
